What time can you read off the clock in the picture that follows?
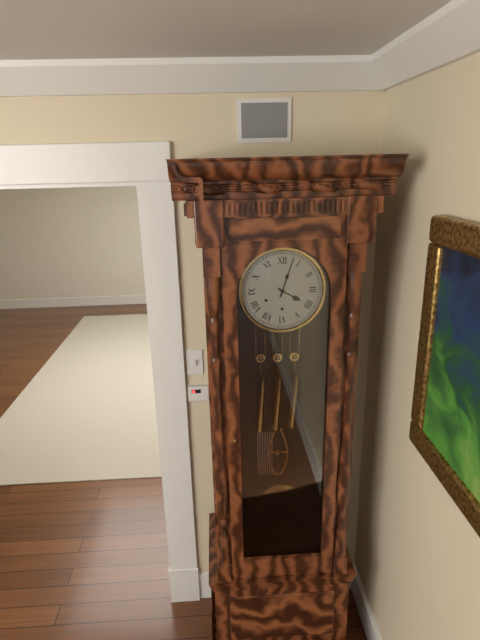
4:03
